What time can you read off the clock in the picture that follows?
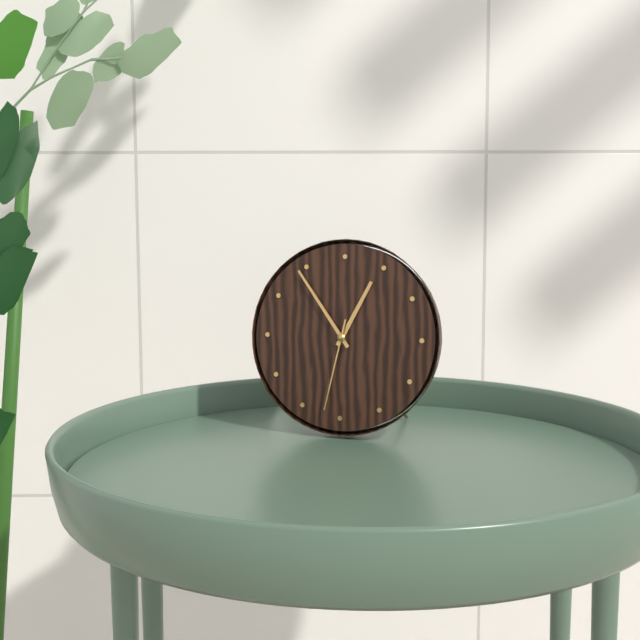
12:54:32
